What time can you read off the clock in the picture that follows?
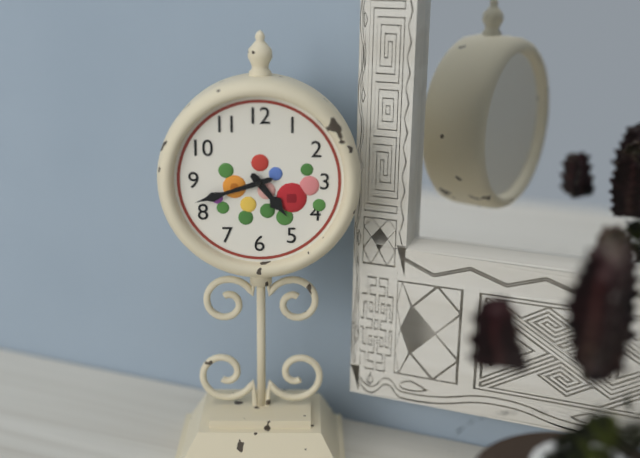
4:42
